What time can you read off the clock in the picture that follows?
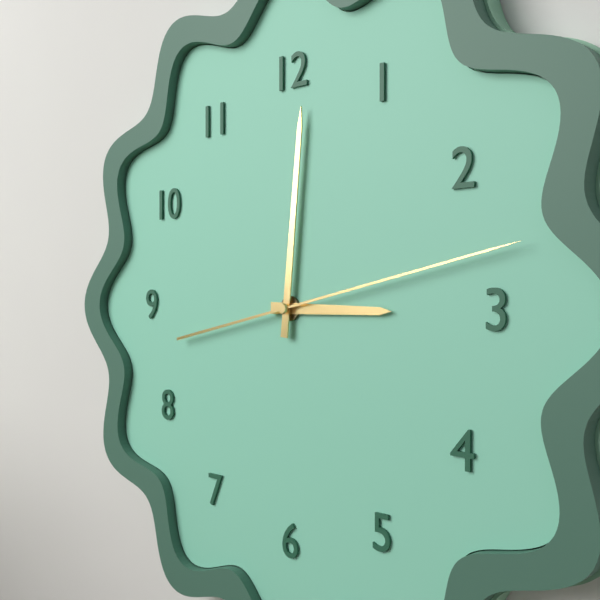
3:01:13
